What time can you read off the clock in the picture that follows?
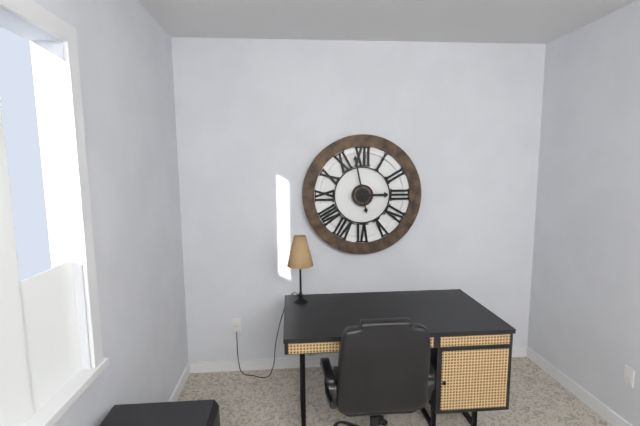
2:58
